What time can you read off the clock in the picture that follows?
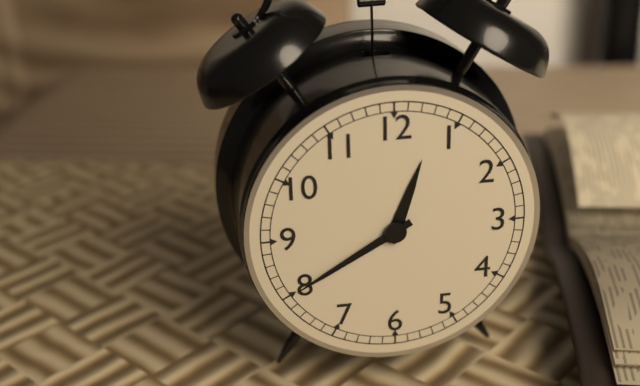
12:40
